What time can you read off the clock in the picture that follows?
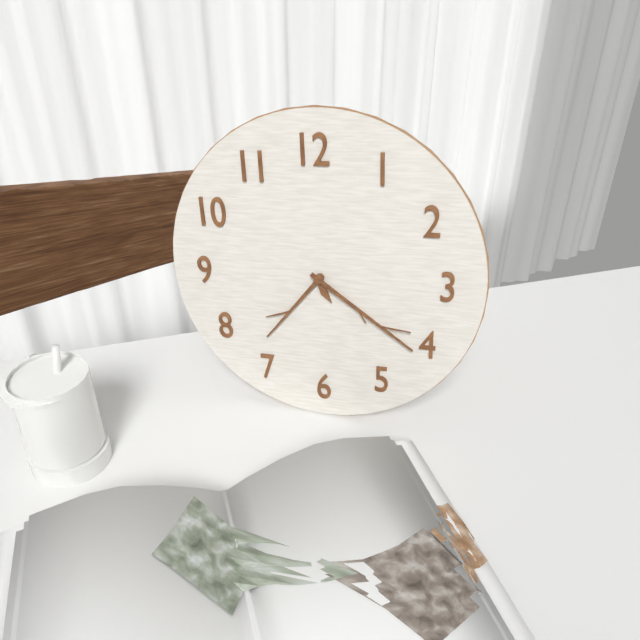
7:21
